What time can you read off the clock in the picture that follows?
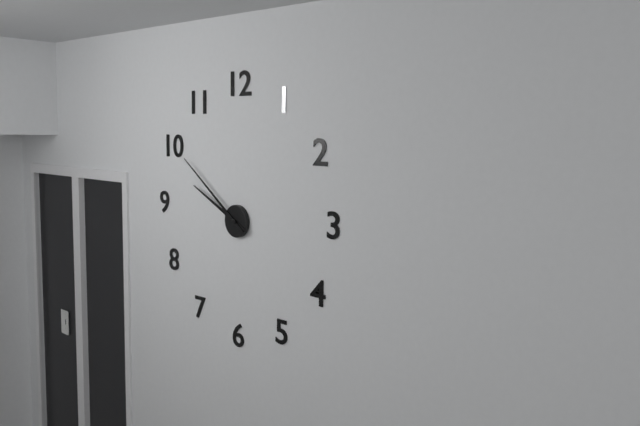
9:51
